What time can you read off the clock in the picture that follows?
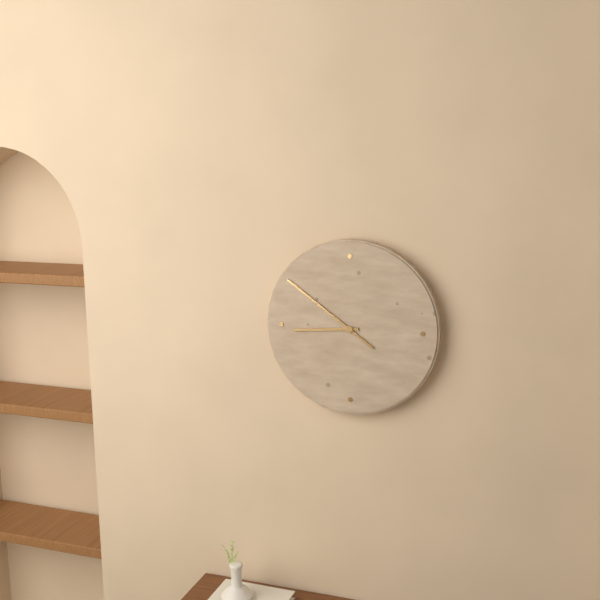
8:51
